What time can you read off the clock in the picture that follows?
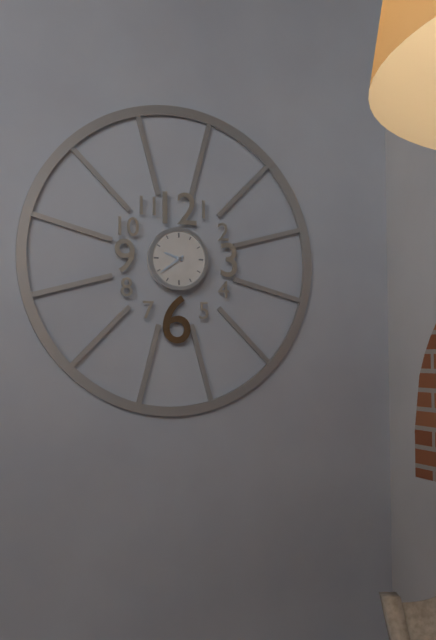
9:39
